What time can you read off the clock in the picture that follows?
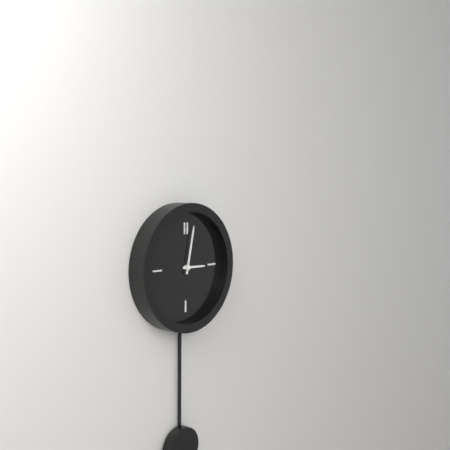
3:02
